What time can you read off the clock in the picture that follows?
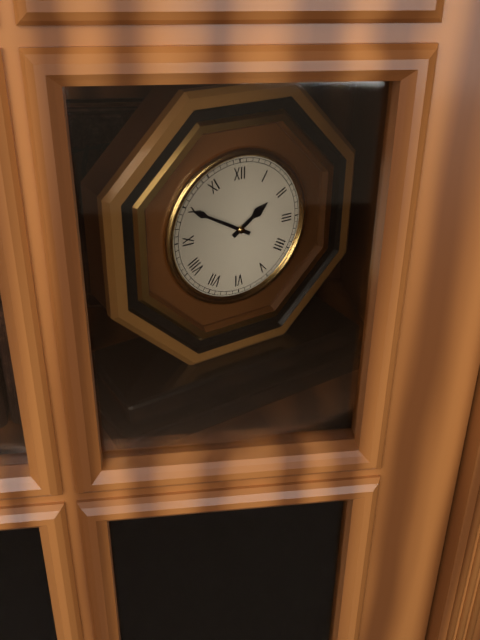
1:50
